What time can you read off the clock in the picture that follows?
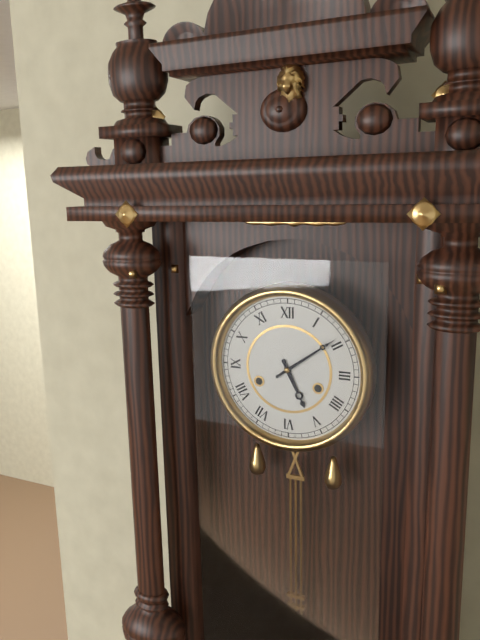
5:09
